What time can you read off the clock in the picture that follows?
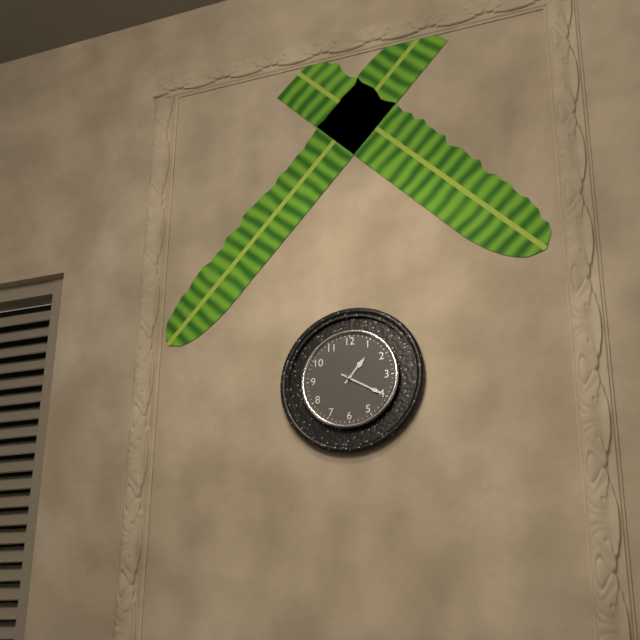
1:20
